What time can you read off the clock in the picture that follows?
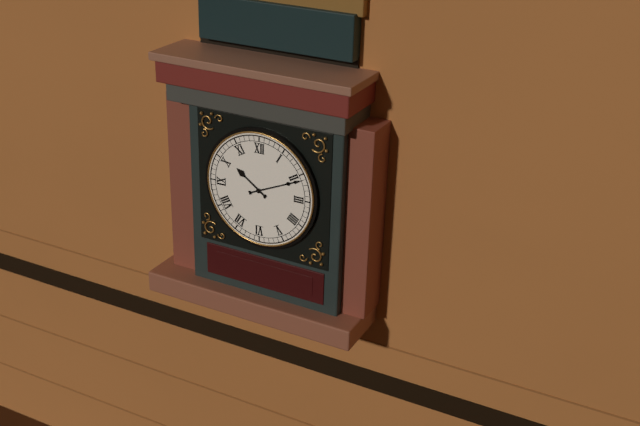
10:11
